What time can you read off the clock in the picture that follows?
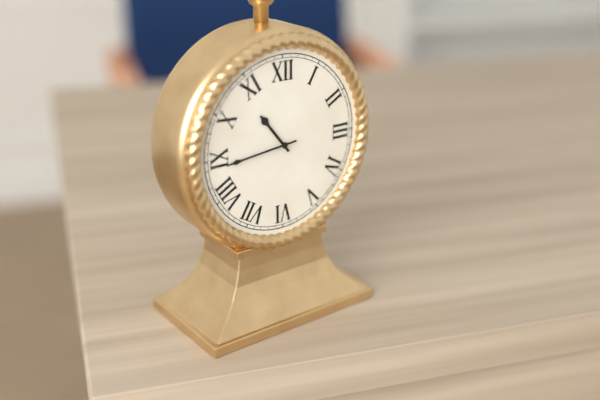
10:44
